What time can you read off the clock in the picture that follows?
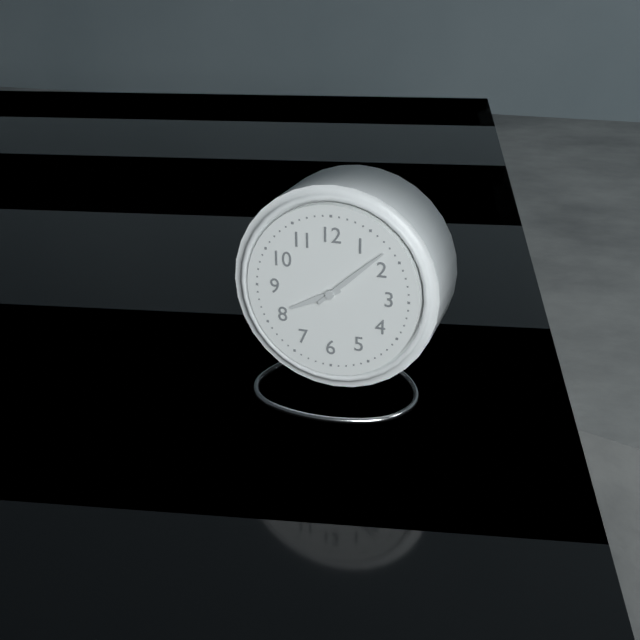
8:08
